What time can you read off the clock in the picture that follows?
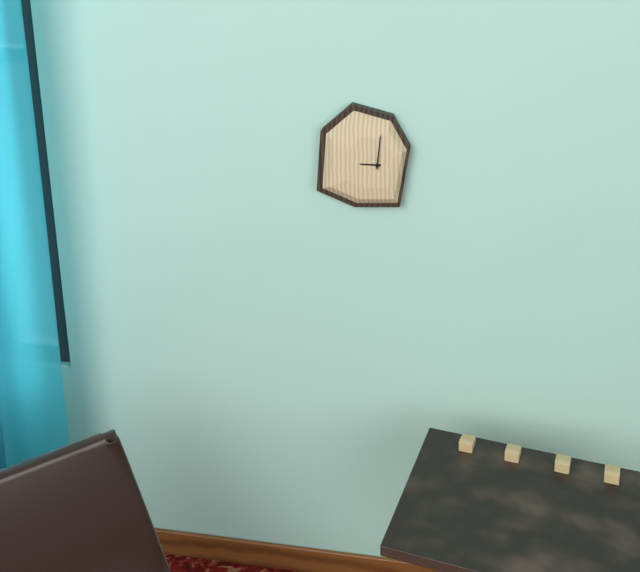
9:01
